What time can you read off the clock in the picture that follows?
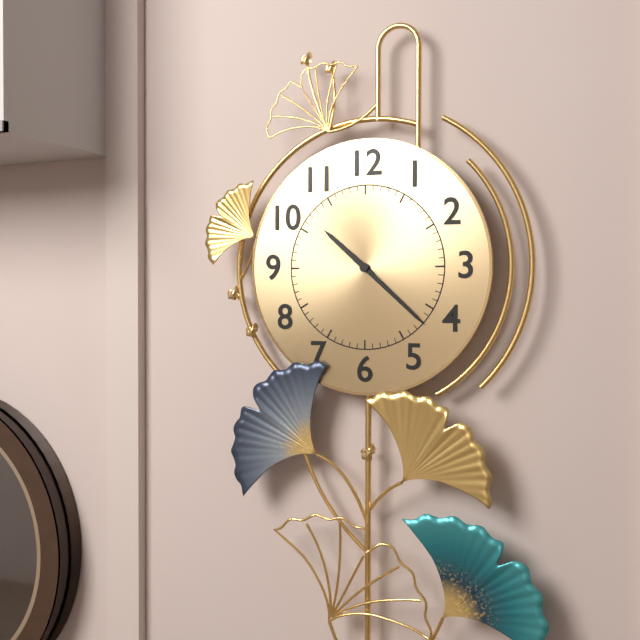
10:22
